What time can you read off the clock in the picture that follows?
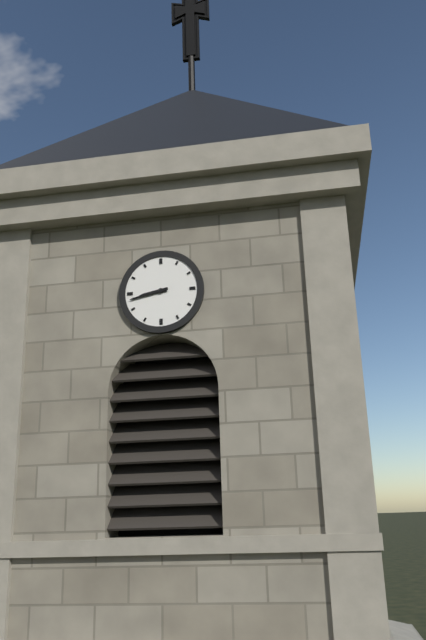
8:43
